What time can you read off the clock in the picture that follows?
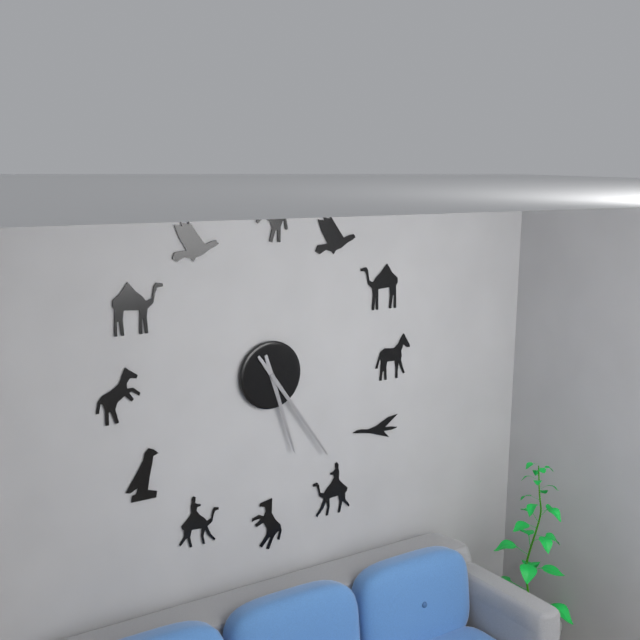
5:24
